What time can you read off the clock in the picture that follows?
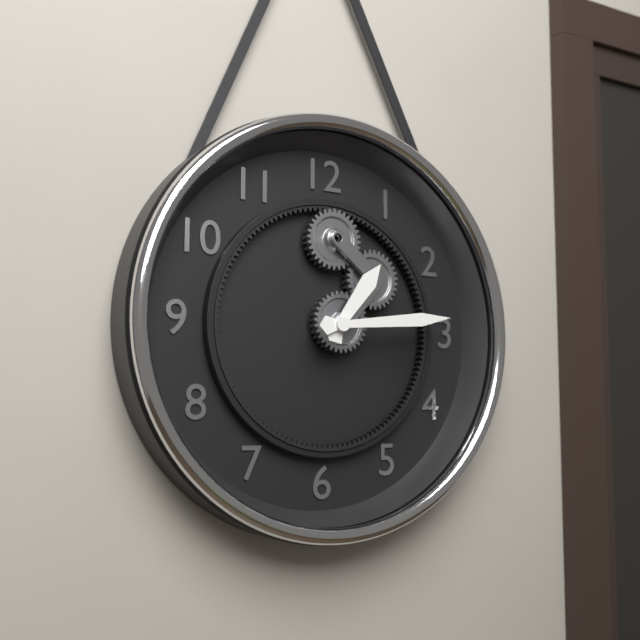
1:14
